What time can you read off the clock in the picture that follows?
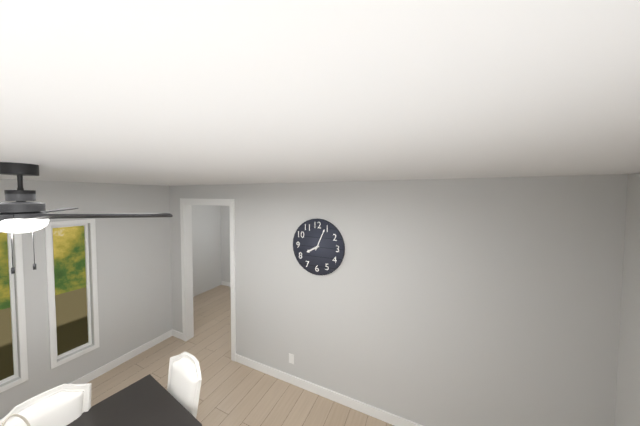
8:04
